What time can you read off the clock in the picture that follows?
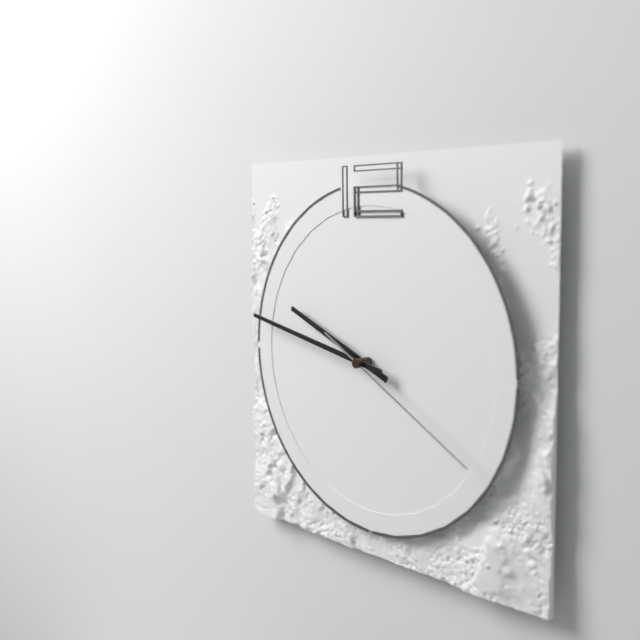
9:47:20
